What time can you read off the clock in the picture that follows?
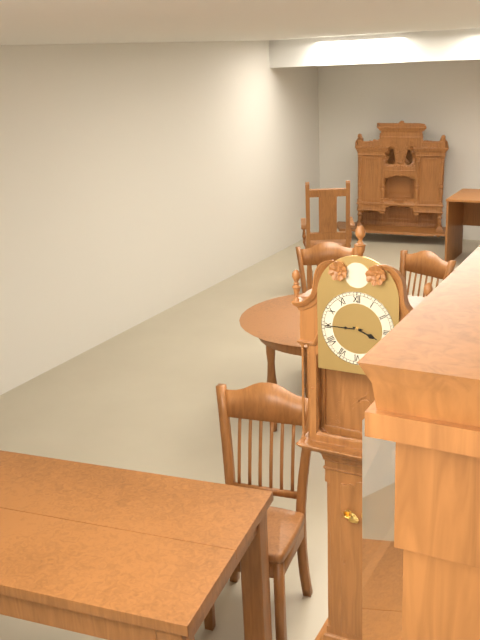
3:45
